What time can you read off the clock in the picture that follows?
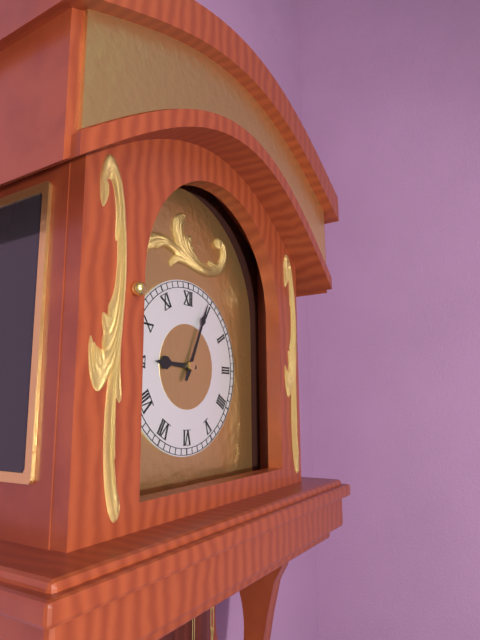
9:04
